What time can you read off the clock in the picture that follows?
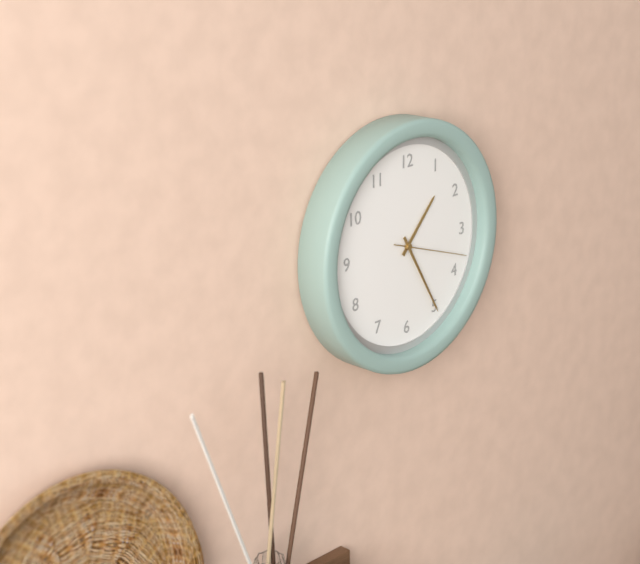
1:25:18
